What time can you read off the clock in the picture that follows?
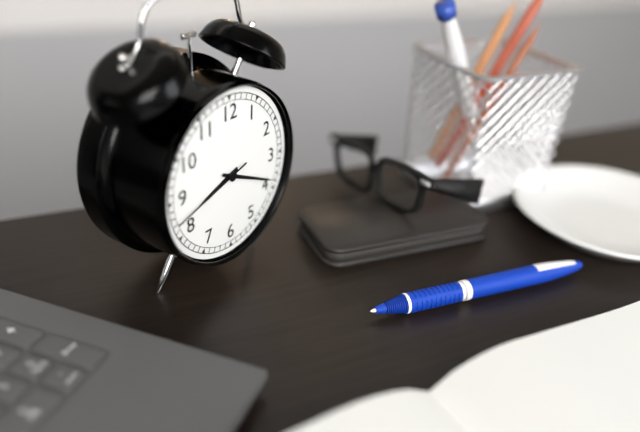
8:19:42
